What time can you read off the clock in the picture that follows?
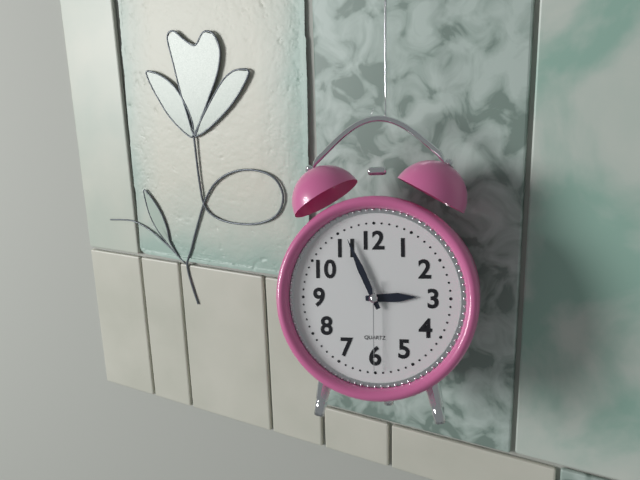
2:56:30
